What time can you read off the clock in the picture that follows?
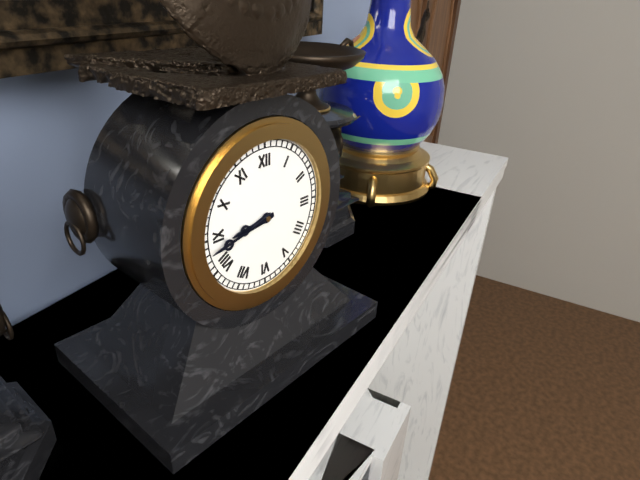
8:43
